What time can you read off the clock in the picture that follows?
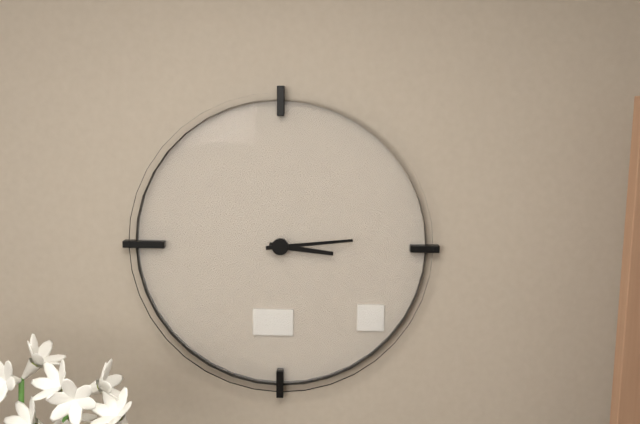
3:14
